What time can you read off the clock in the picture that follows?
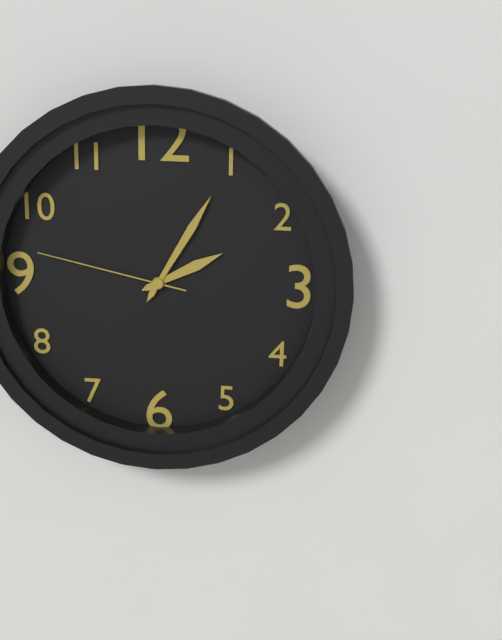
2:05:47
